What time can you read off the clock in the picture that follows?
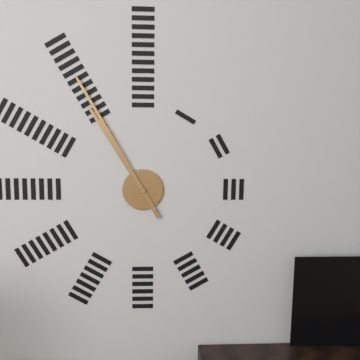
10:55
